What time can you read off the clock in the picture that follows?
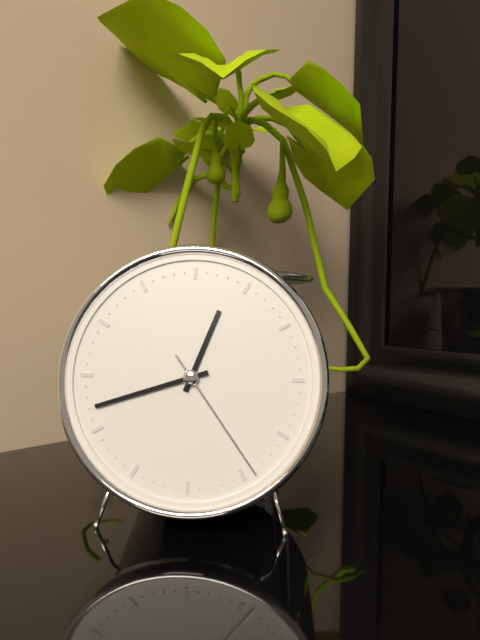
12:42:24
